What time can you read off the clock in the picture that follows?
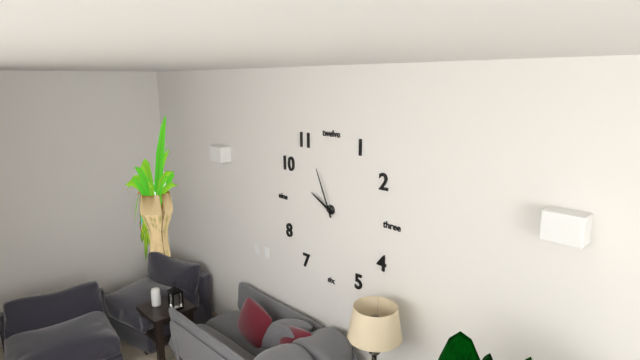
9:56
